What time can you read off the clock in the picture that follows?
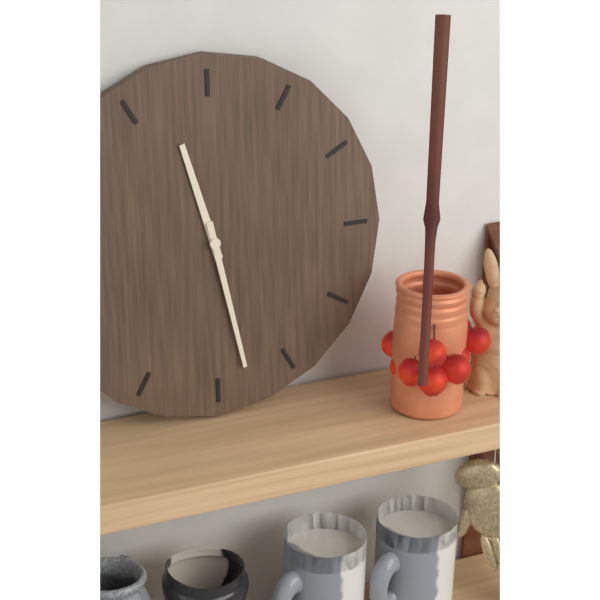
11:28
